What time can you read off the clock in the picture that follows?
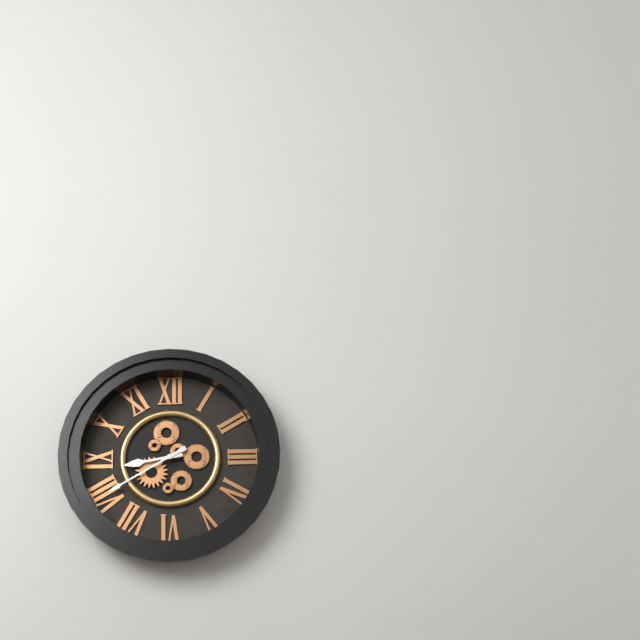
8:40
